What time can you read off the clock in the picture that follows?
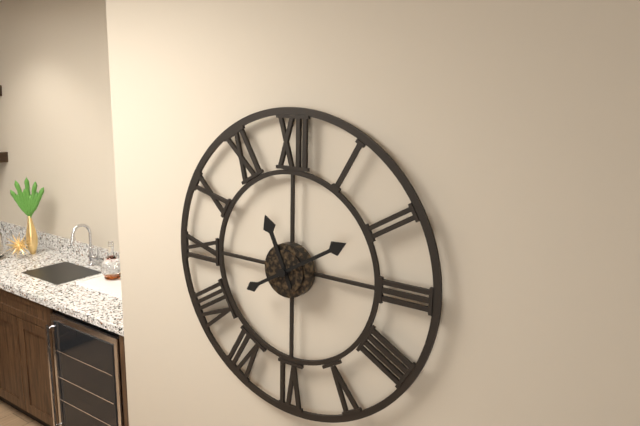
11:10
